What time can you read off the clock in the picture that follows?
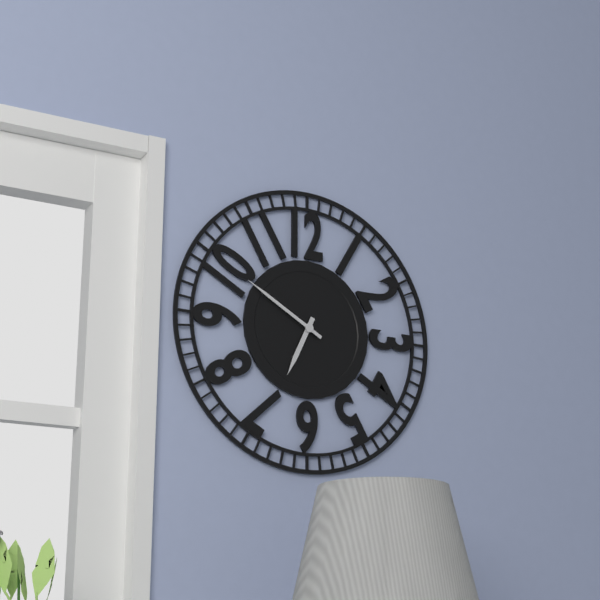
6:50
